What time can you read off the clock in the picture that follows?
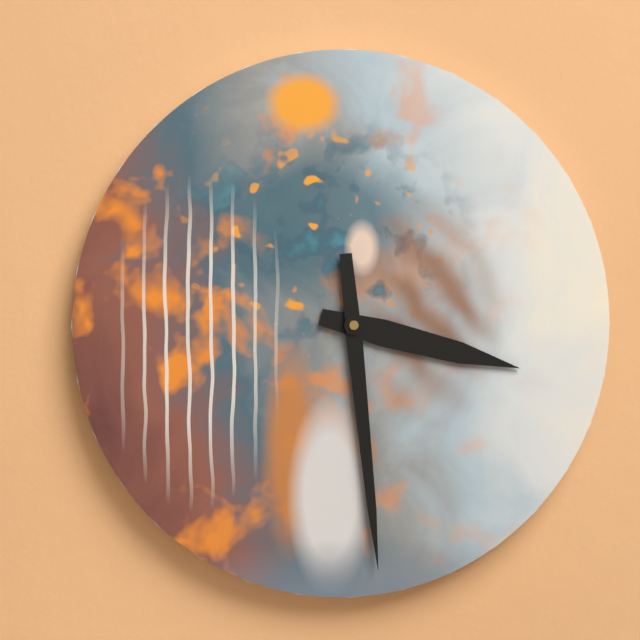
3:29
